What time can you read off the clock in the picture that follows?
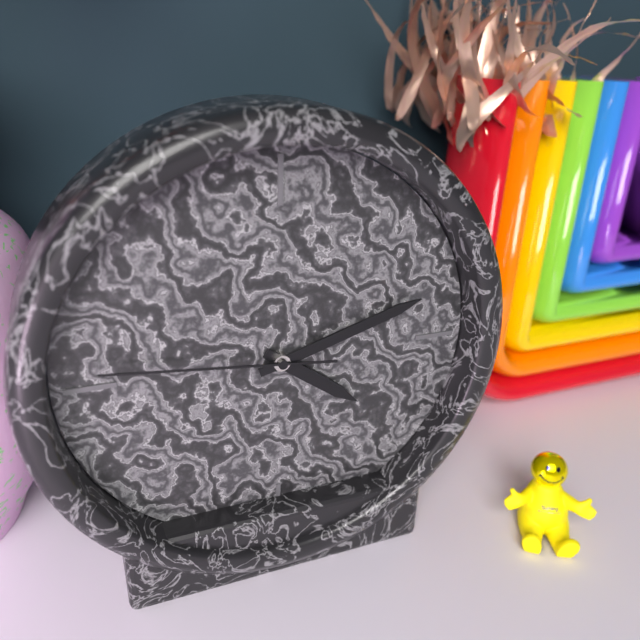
4:12:46
